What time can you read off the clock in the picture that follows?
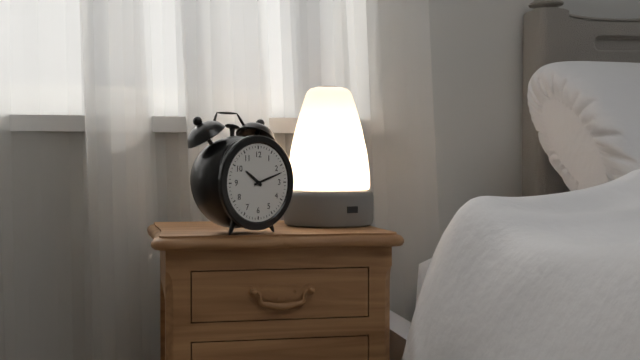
10:12
